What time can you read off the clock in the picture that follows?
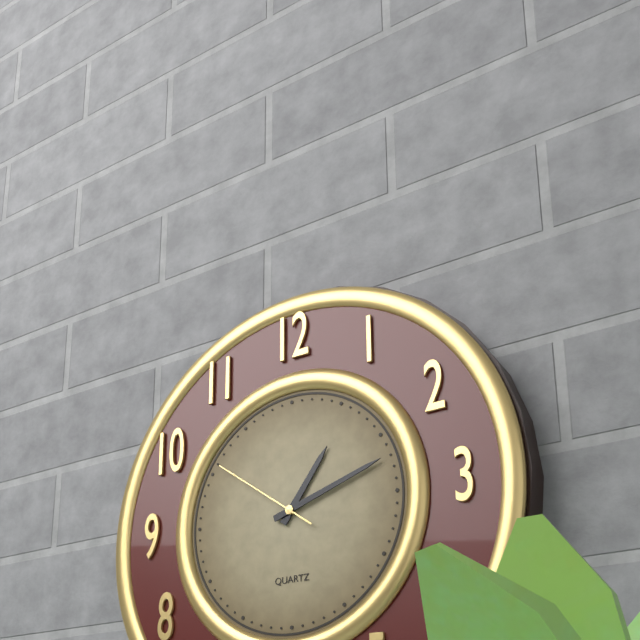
1:12:51
